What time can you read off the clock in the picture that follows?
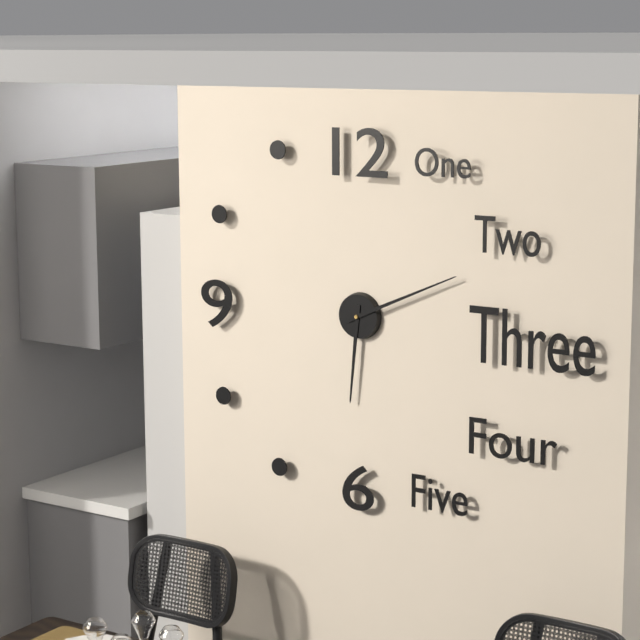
6:11
